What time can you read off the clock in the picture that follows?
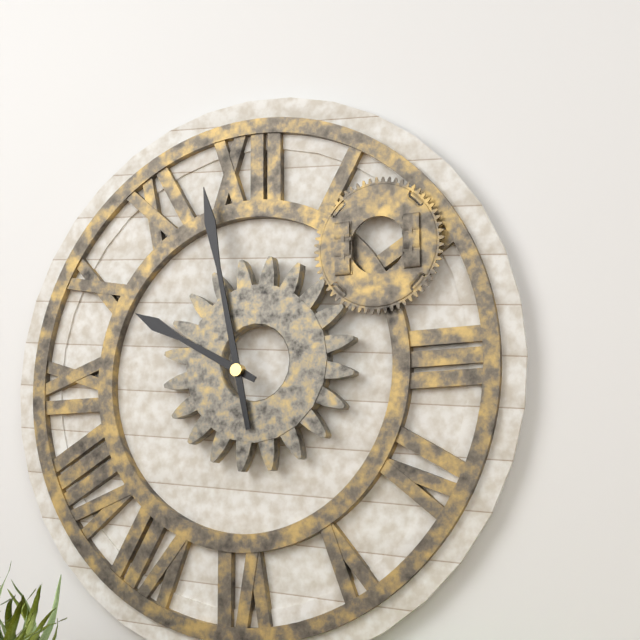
9:58
